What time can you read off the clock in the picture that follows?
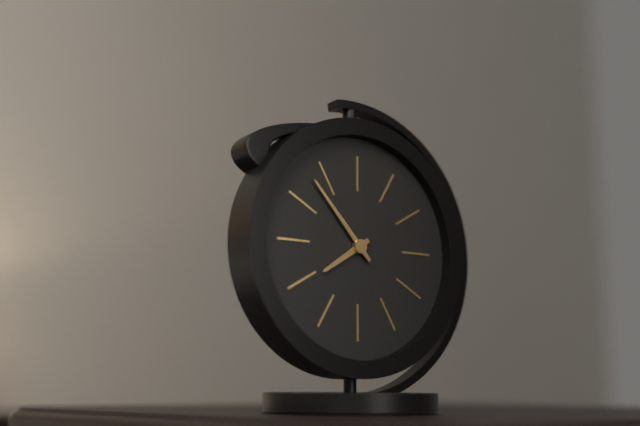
7:53
